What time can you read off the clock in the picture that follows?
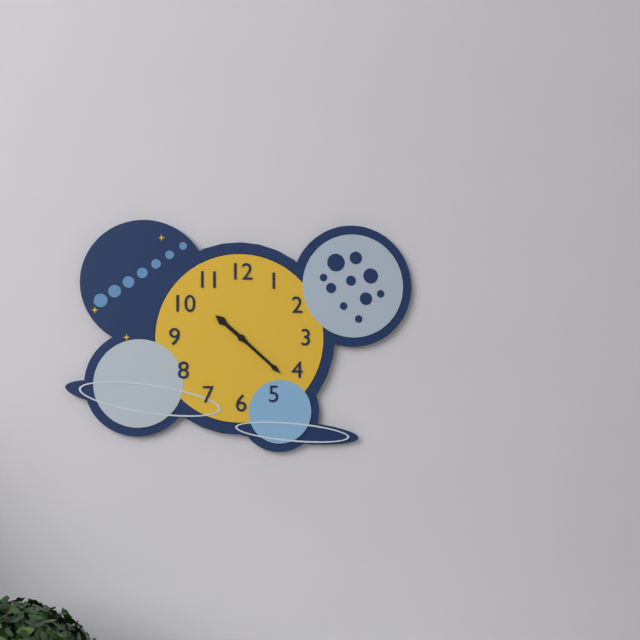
10:22
